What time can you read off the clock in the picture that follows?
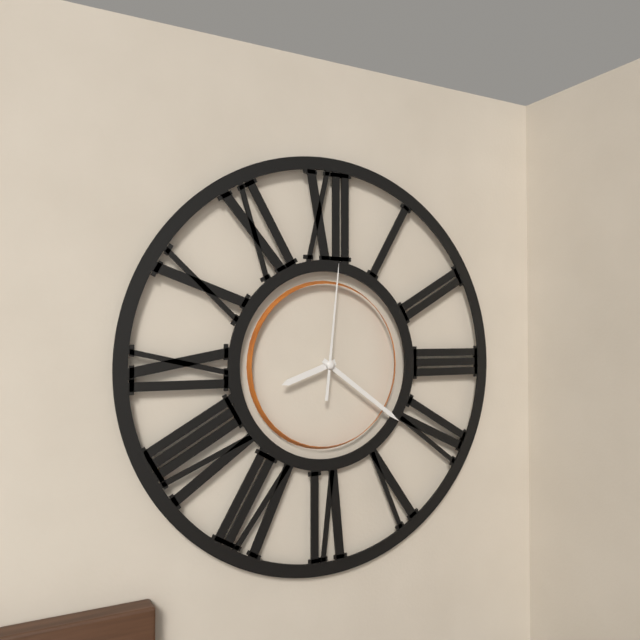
8:21:01
